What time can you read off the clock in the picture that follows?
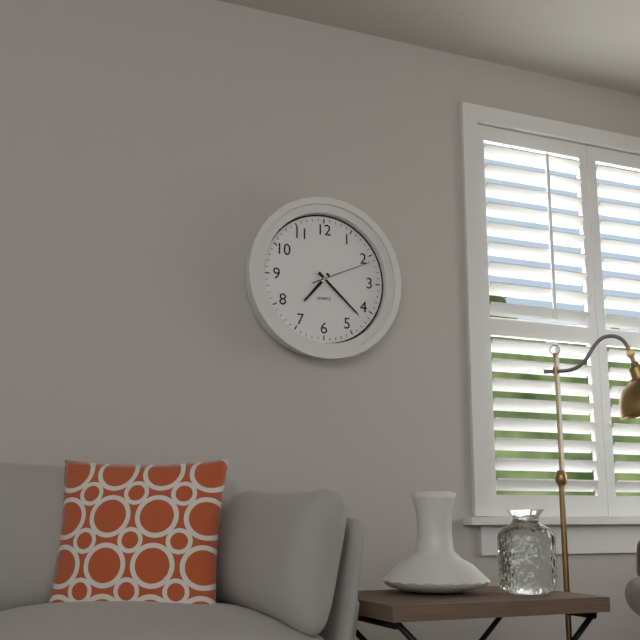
7:22:11
